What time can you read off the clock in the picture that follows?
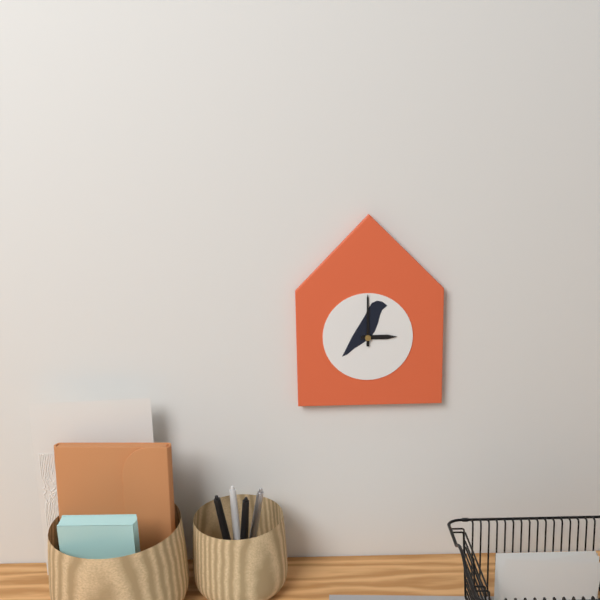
3:00
